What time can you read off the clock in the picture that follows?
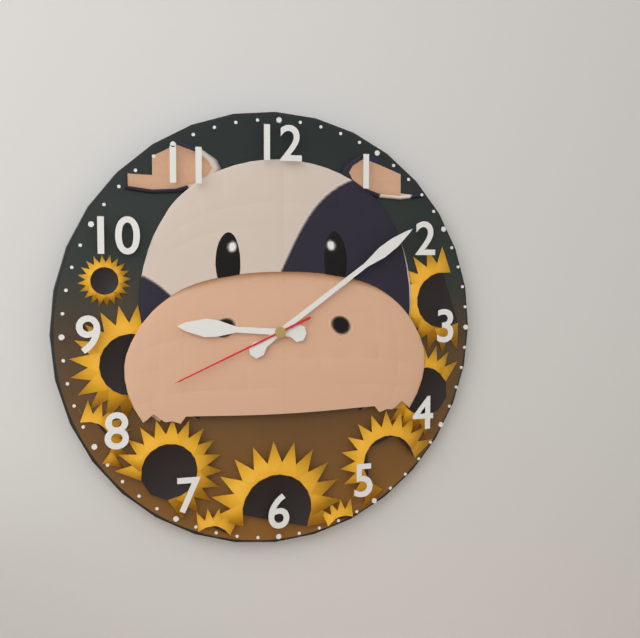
9:09:41
